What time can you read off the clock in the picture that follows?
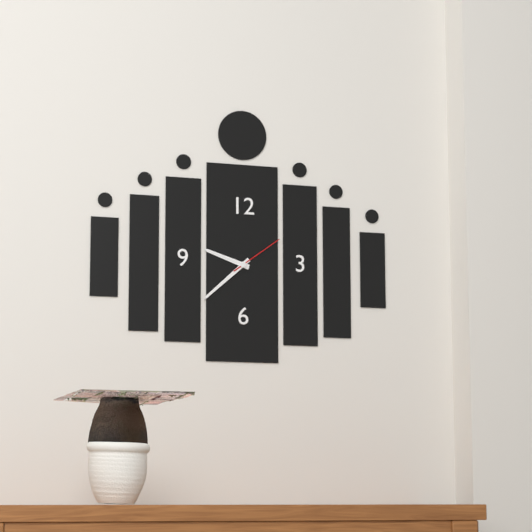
9:38:09
